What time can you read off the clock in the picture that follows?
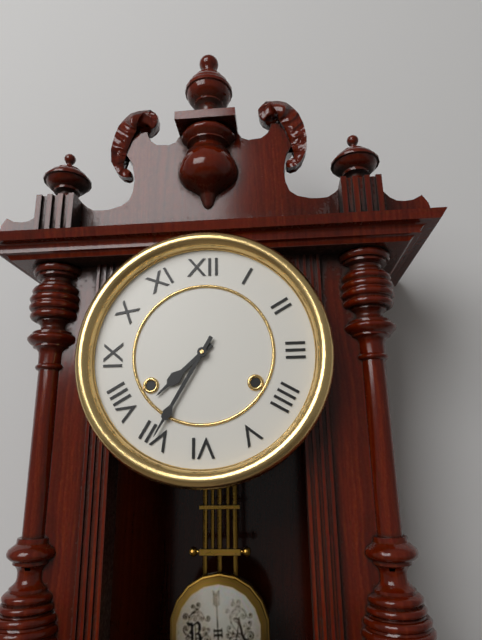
7:35
